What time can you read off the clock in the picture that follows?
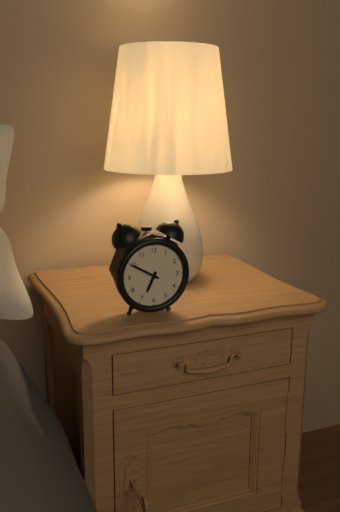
6:50
